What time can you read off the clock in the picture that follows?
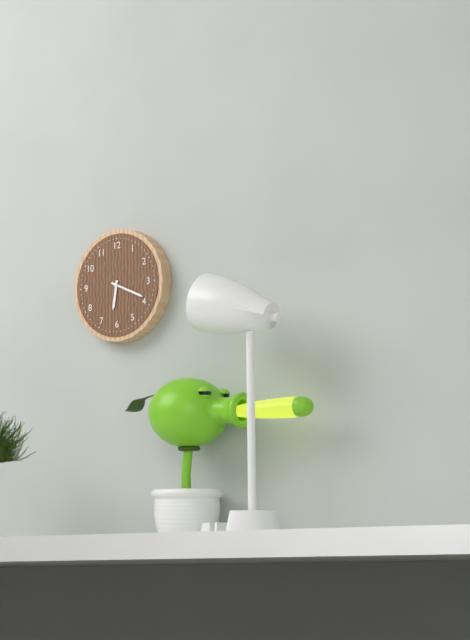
6:19
